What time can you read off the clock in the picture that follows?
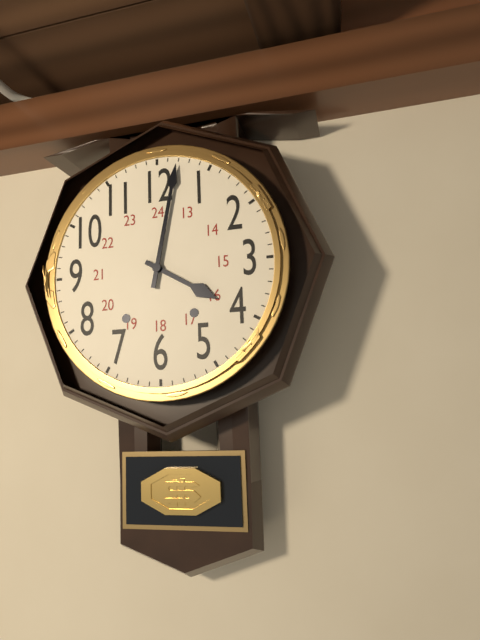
4:02
